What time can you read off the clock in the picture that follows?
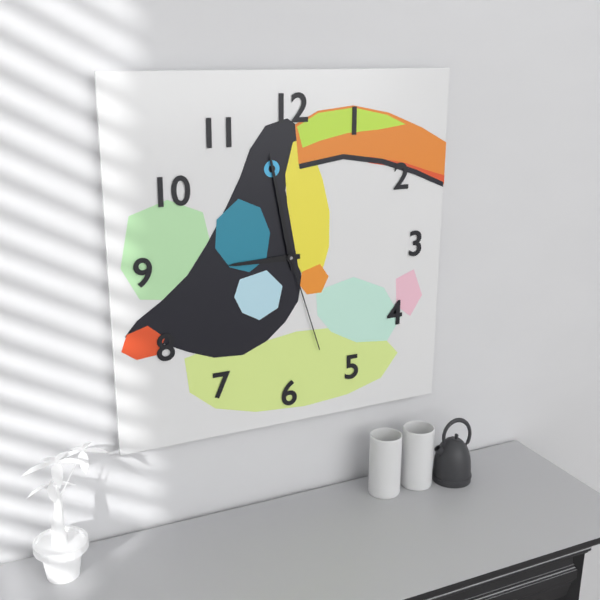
8:58:27
